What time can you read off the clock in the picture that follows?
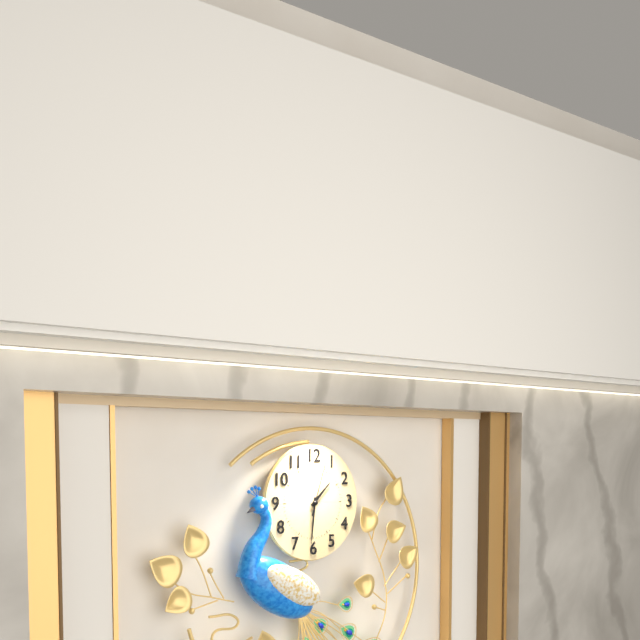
1:31:03
